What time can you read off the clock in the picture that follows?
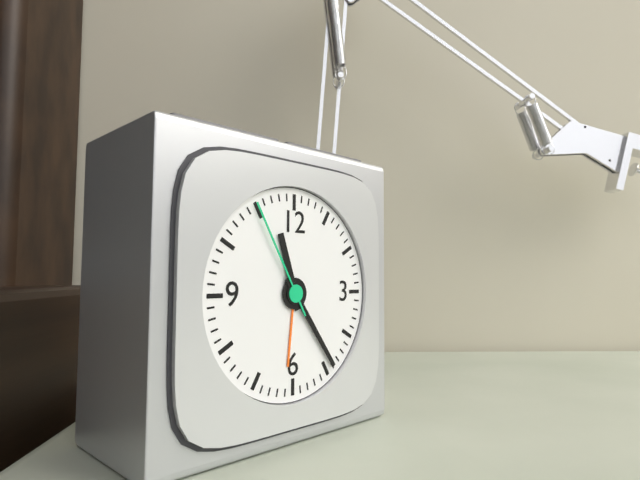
11:24:55
